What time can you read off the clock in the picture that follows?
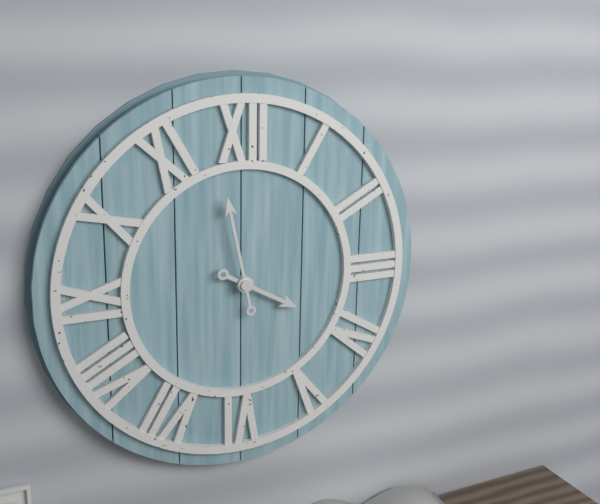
3:58
